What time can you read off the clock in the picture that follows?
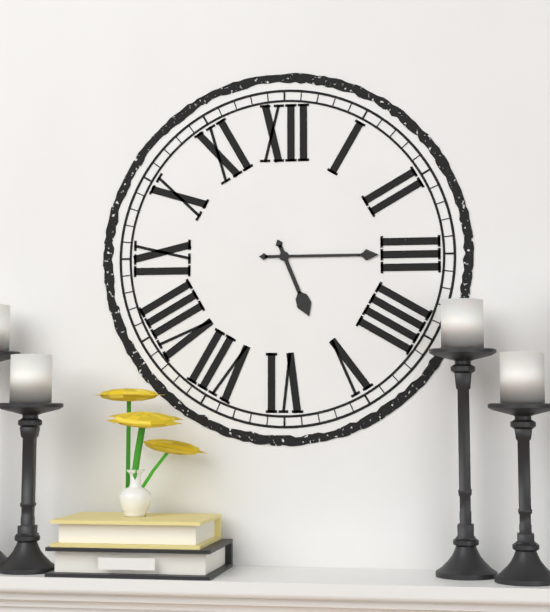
5:15
